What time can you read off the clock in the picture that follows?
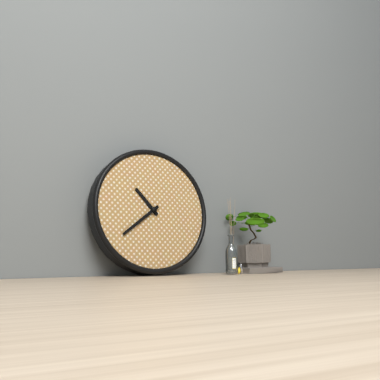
10:39
